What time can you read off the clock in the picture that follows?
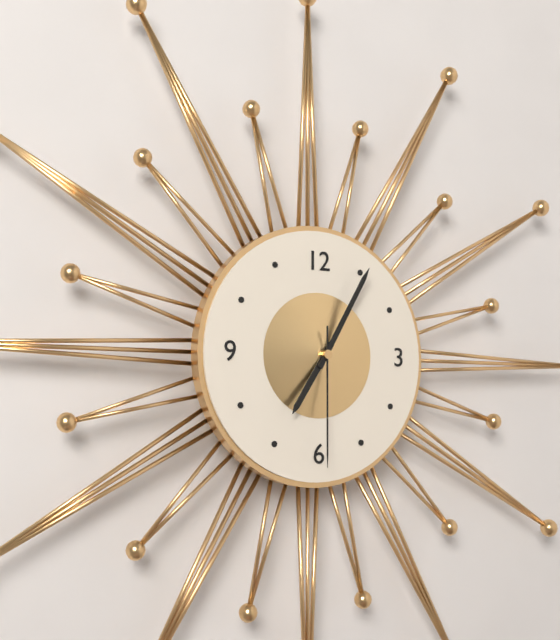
7:05:30
